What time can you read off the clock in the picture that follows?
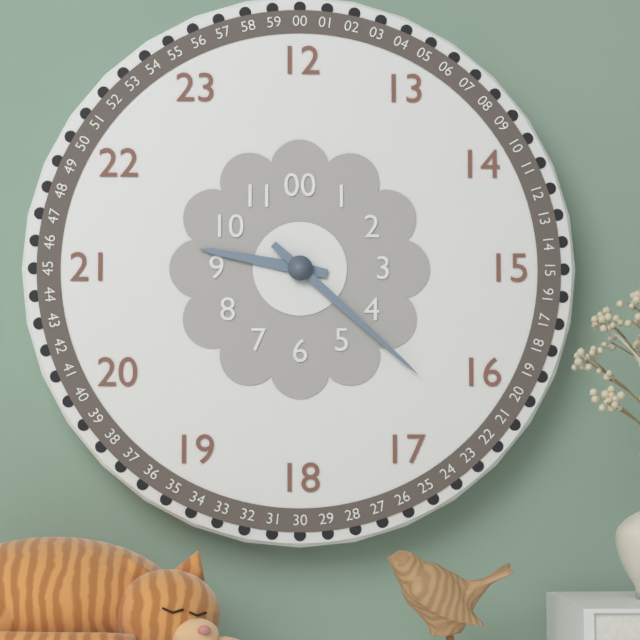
9:22
